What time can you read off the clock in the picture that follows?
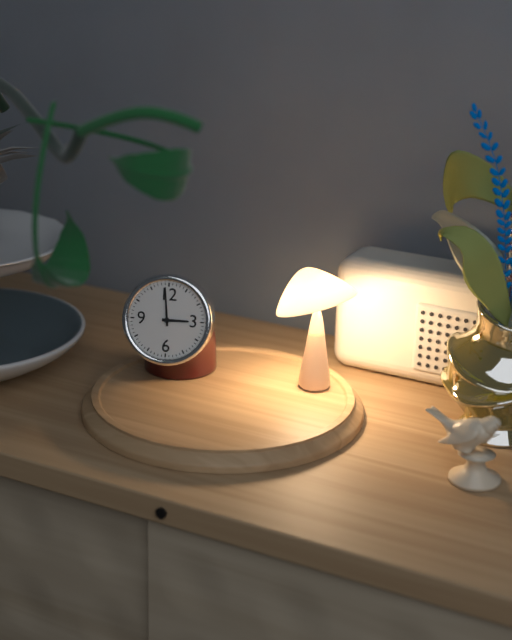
2:59
